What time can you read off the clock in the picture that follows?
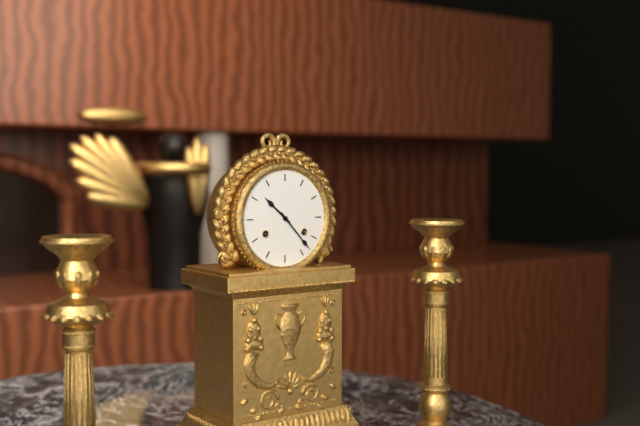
10:23
